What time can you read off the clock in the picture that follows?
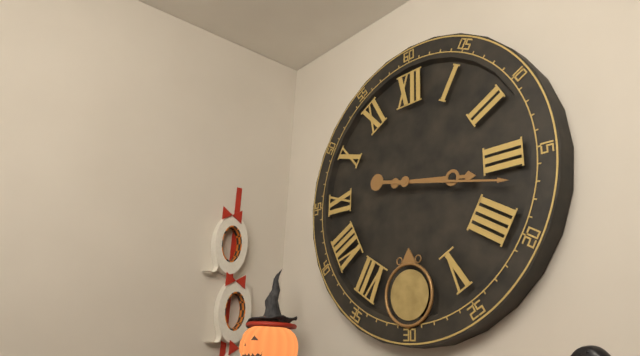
3:17
